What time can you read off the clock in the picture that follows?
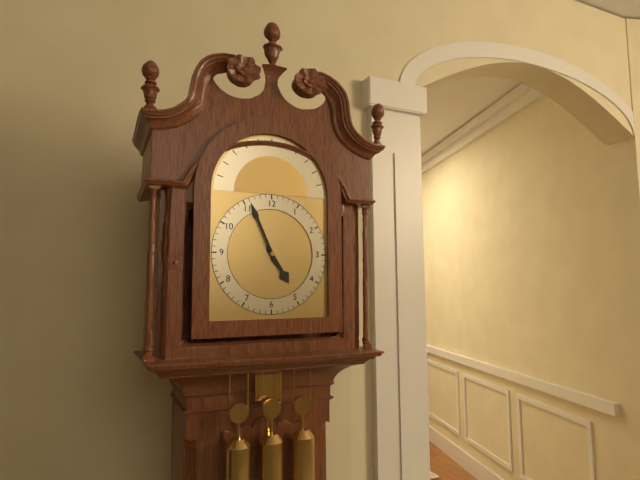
4:56
